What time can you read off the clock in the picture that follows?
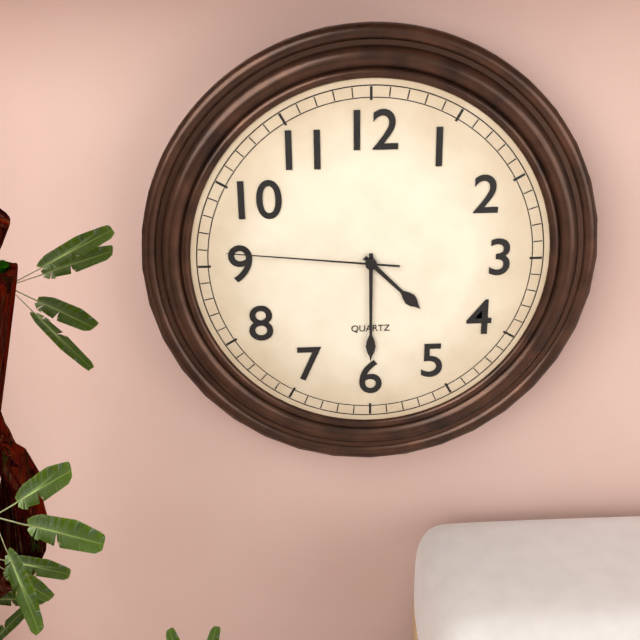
4:30:46
